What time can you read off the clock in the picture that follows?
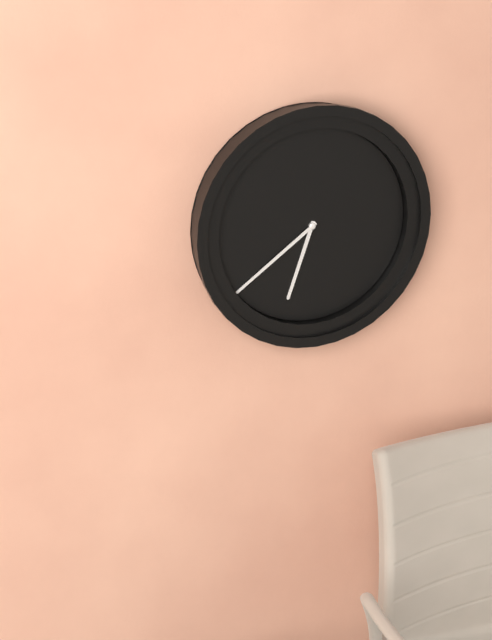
6:39
